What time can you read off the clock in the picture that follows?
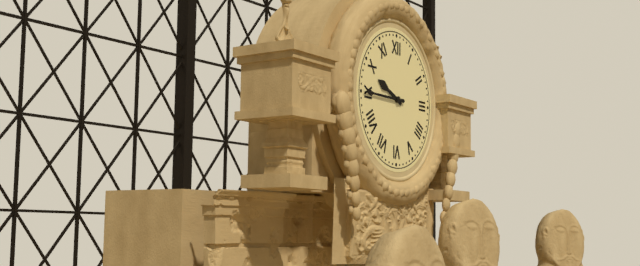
9:45
